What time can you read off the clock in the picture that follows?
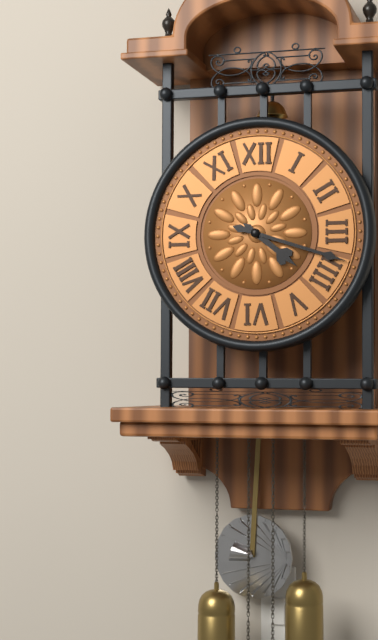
4:18
